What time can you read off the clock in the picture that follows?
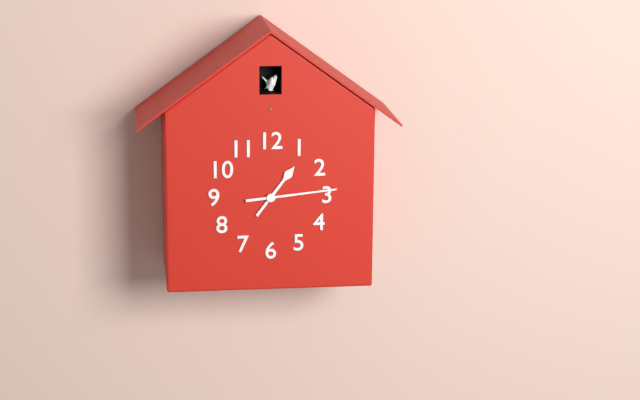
1:14
